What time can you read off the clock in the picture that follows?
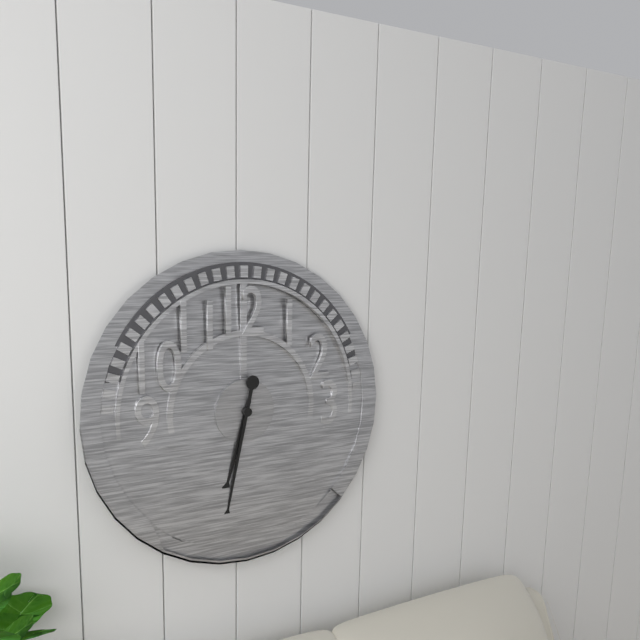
6:32
